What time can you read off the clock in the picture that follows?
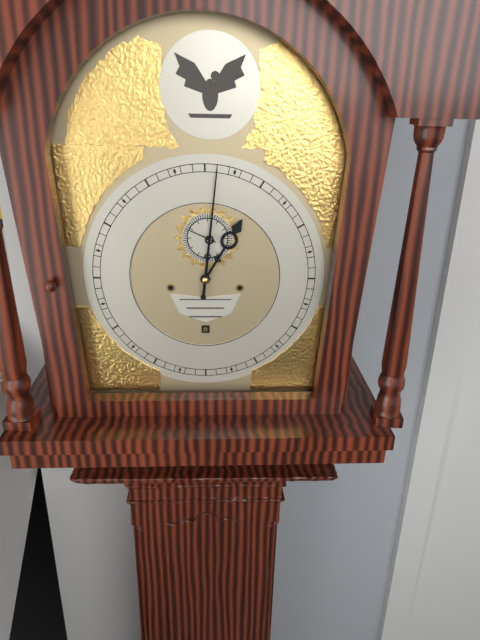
1:01
